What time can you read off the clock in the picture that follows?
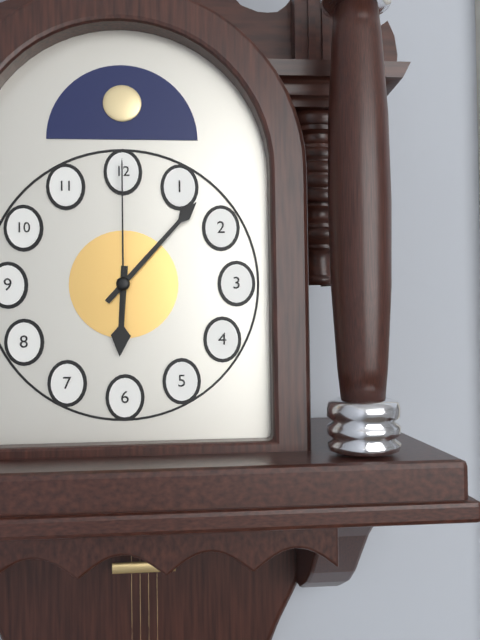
6:07:00
